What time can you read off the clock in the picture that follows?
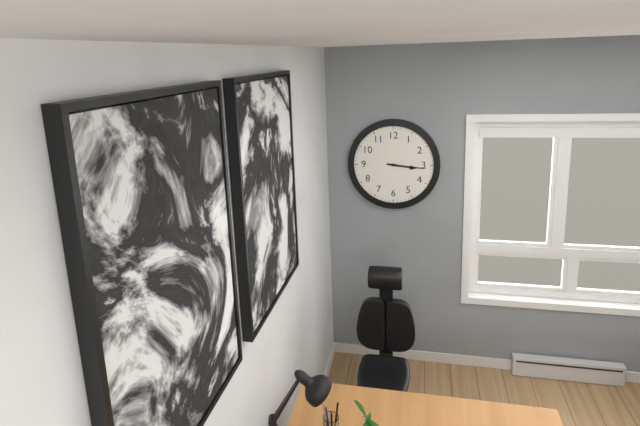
3:16
